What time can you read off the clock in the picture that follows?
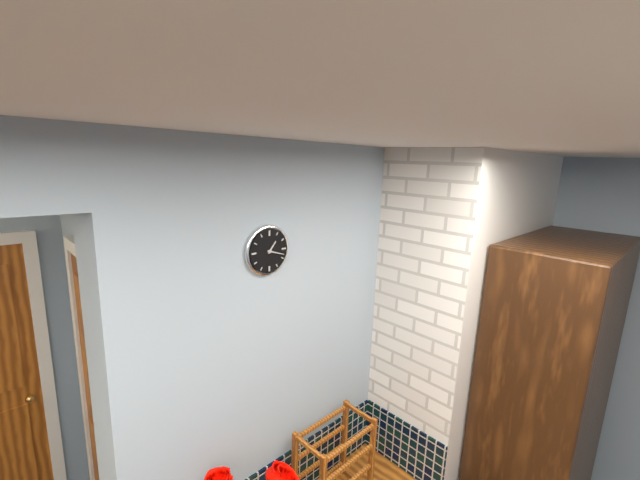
1:18
